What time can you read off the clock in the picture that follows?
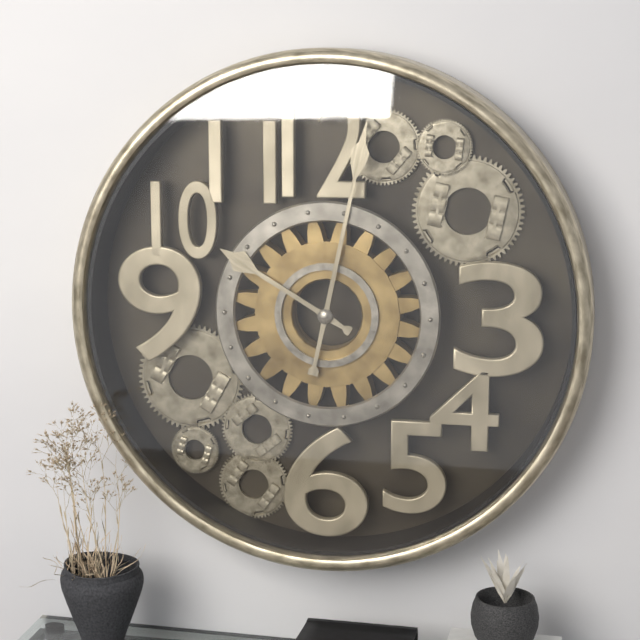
10:02
